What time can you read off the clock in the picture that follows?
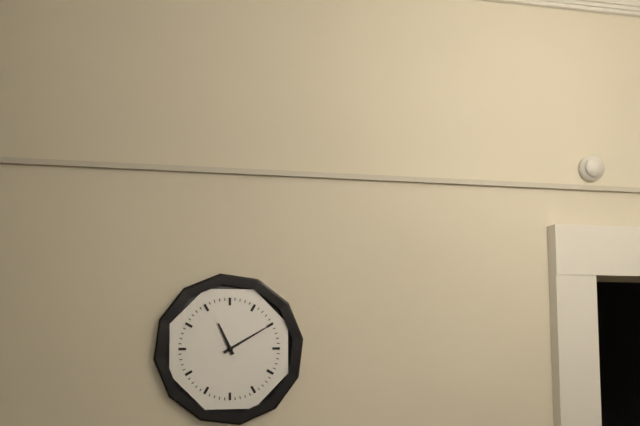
11:10
